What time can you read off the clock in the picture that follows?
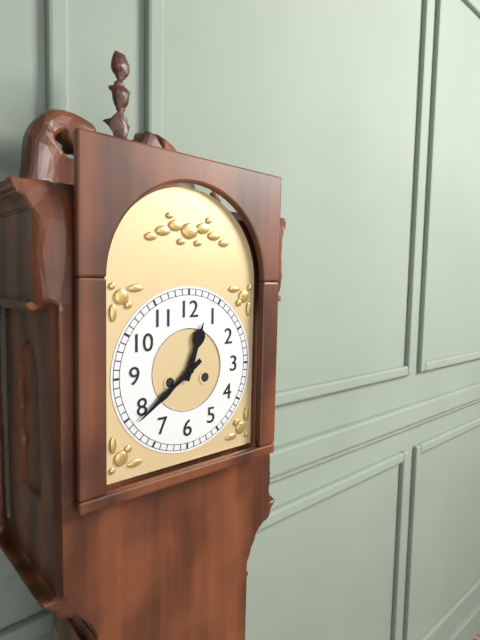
12:39
